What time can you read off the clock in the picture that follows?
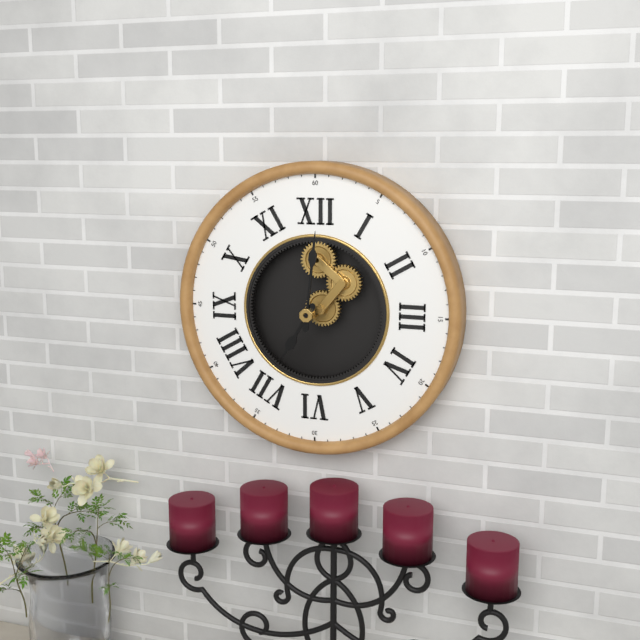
7:01
